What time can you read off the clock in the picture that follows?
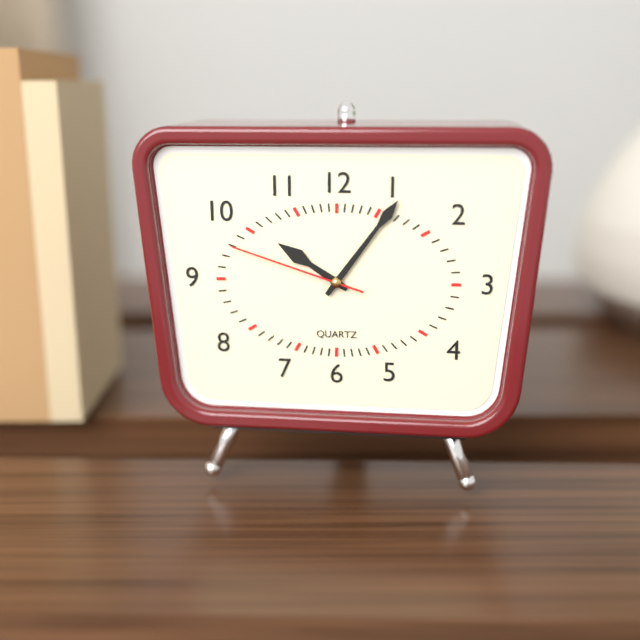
10:06:48
